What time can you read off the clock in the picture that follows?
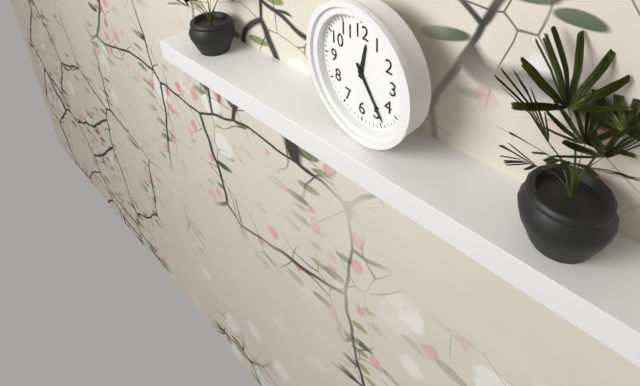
12:24
